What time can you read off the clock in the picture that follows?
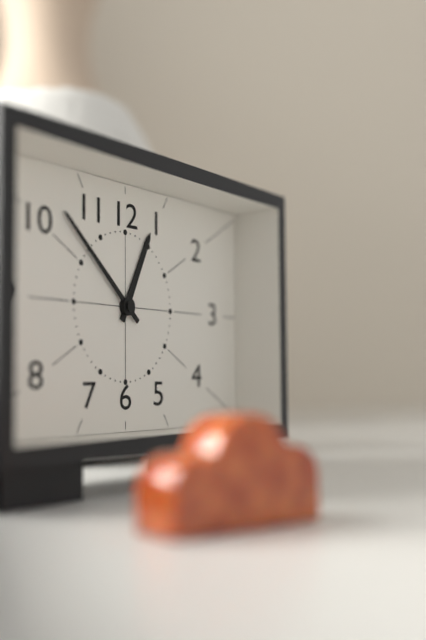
12:52
